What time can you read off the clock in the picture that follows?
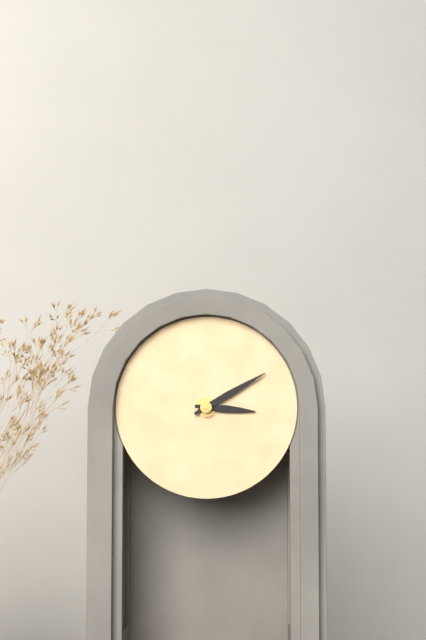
3:10
